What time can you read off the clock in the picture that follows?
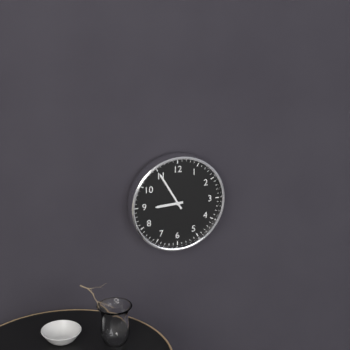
8:55
